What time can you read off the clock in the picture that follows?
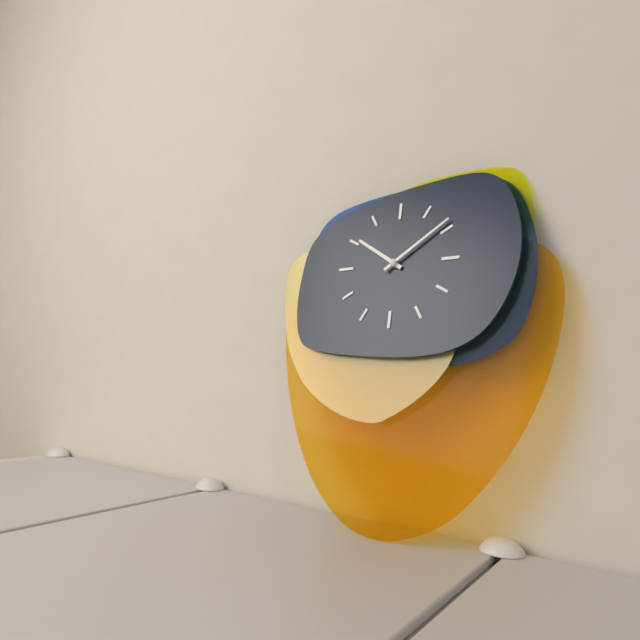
10:09
